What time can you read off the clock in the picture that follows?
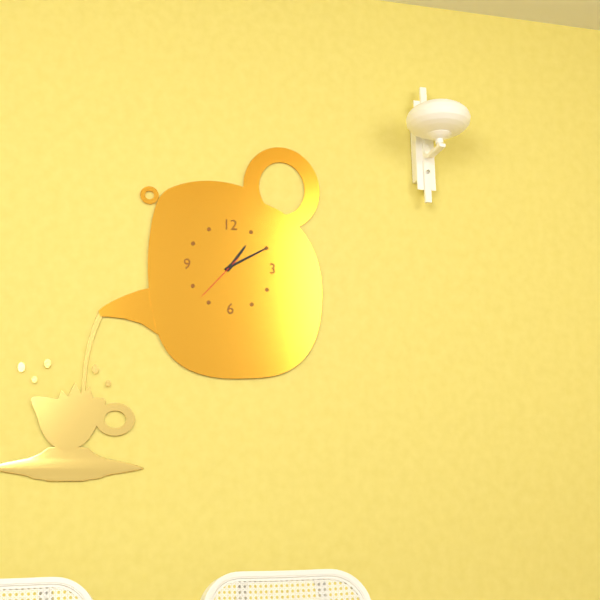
1:10:37
